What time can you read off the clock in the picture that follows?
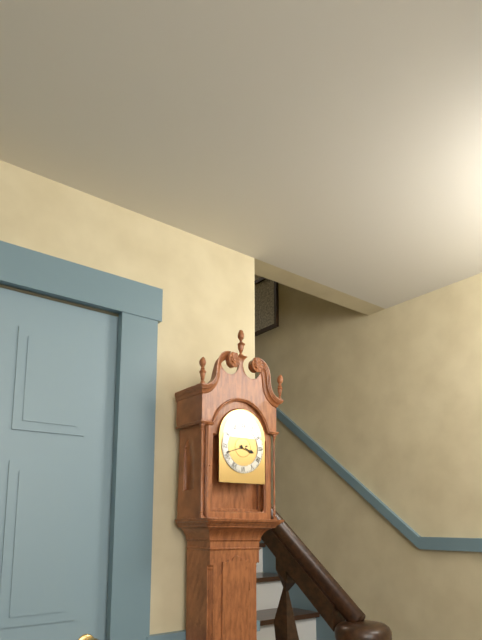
3:42
